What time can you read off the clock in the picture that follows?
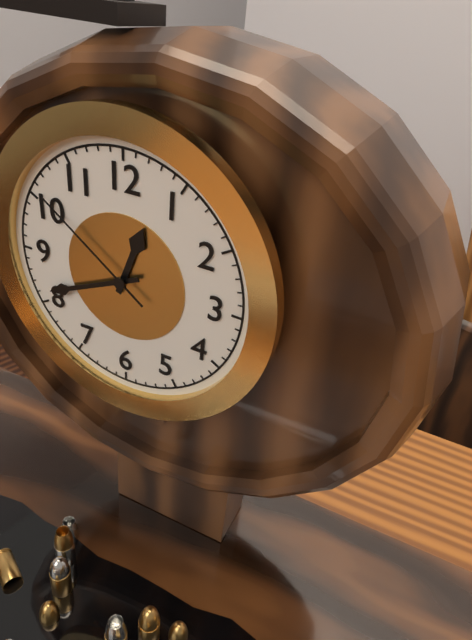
12:41:51
